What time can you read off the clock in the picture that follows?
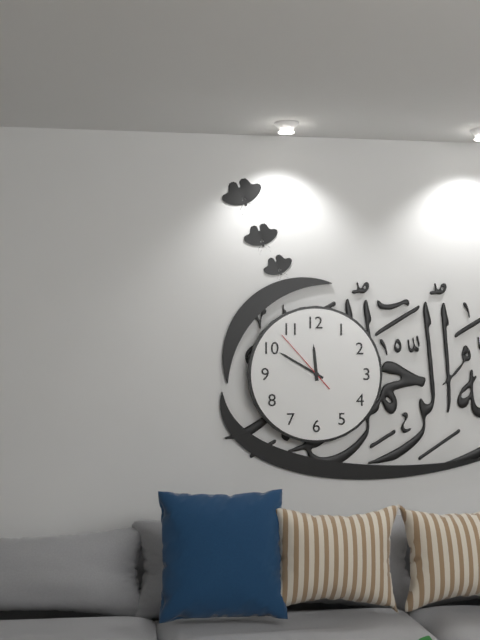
11:50:53
